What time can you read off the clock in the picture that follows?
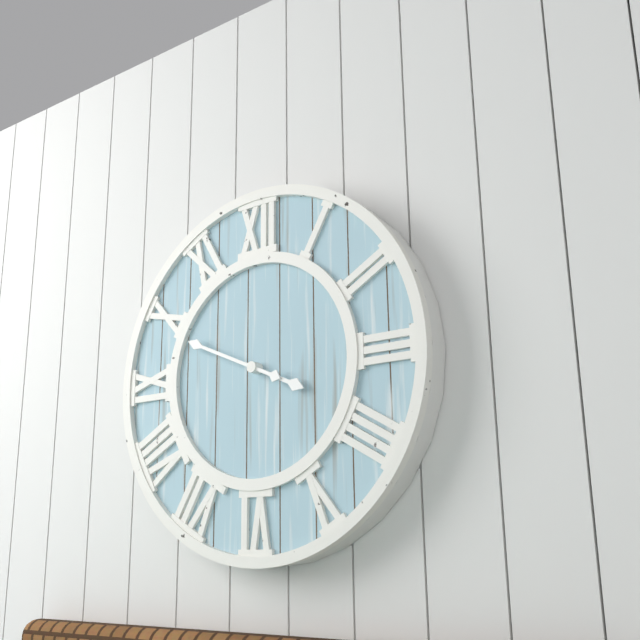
3:49
